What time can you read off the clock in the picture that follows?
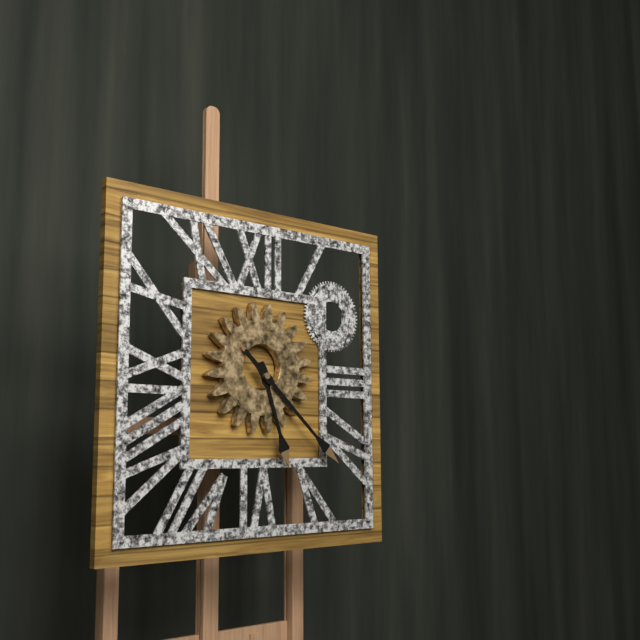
5:22
